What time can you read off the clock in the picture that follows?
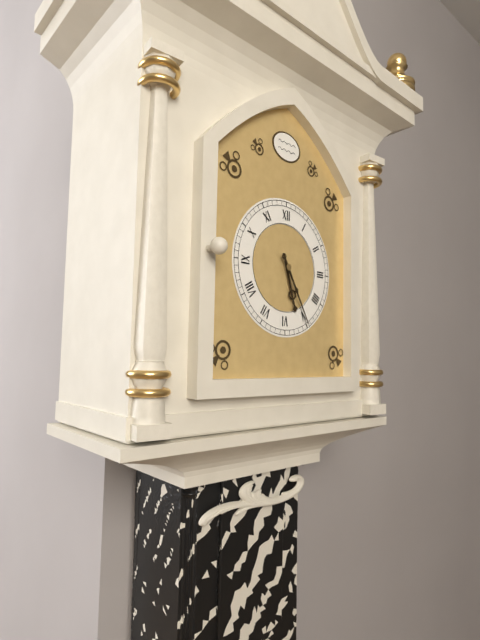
5:25
